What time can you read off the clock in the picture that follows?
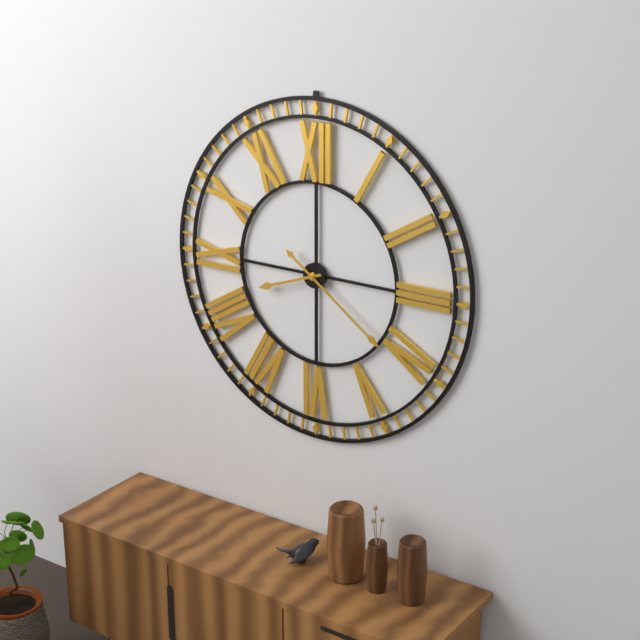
8:21
